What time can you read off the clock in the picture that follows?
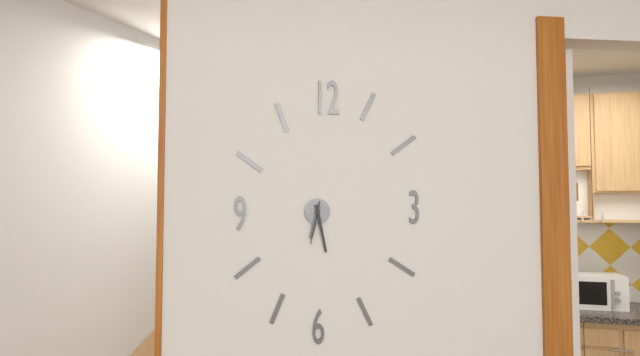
6:28
